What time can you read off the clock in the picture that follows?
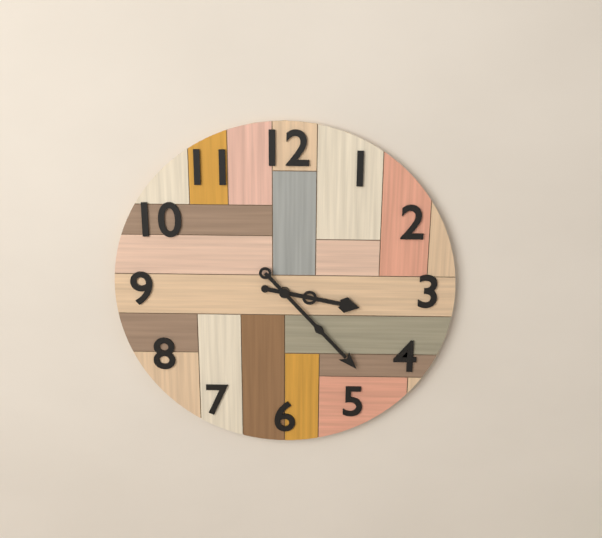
3:23
